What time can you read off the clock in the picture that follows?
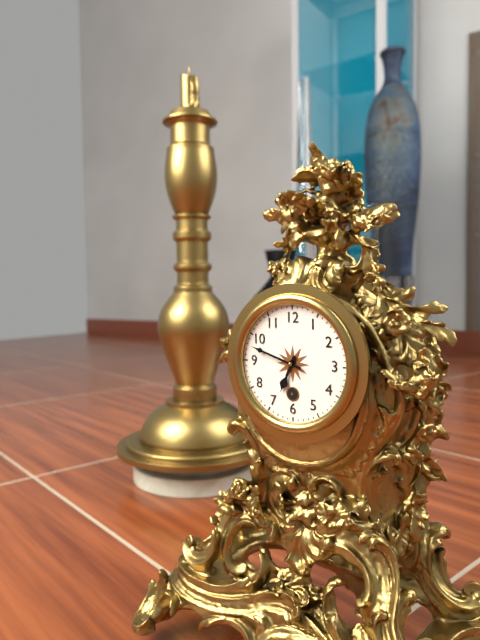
6:48
